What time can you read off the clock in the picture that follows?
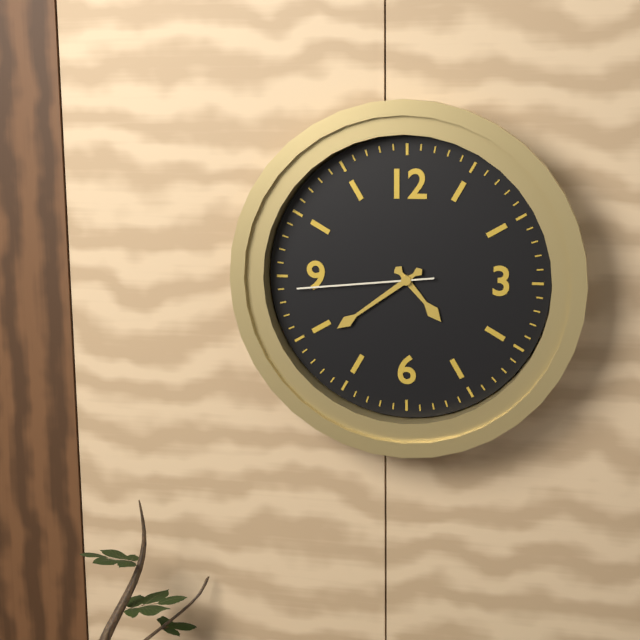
4:39:44
